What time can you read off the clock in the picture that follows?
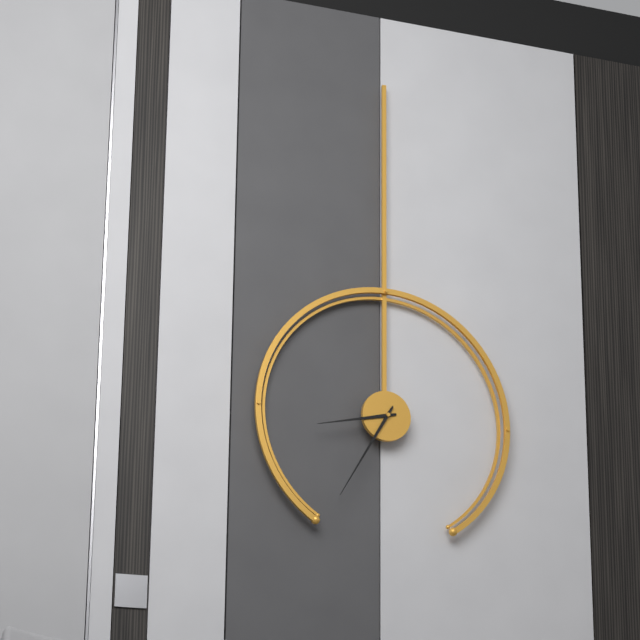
8:35
